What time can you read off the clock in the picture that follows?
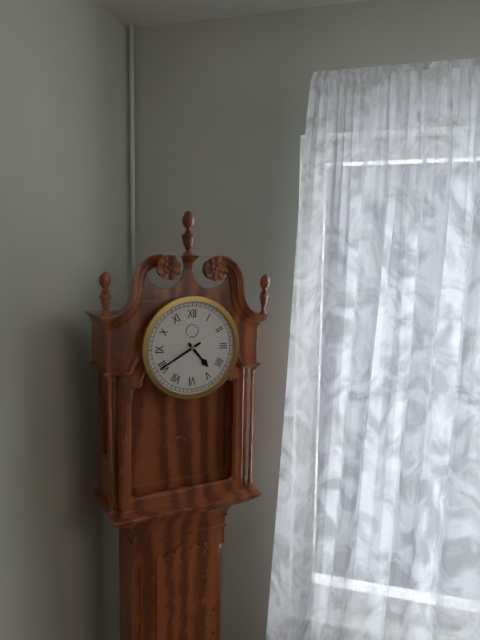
4:40
